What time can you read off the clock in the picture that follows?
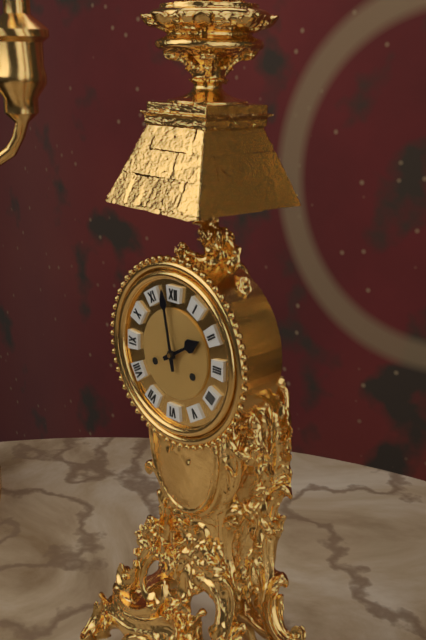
1:58
